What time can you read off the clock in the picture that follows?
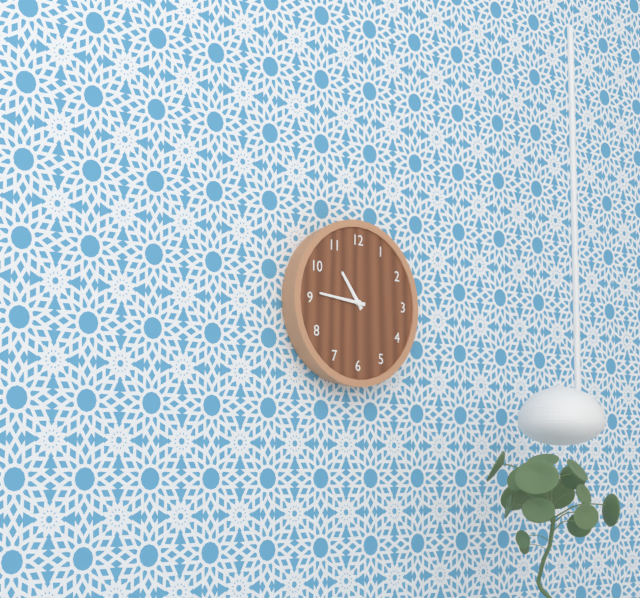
10:46
